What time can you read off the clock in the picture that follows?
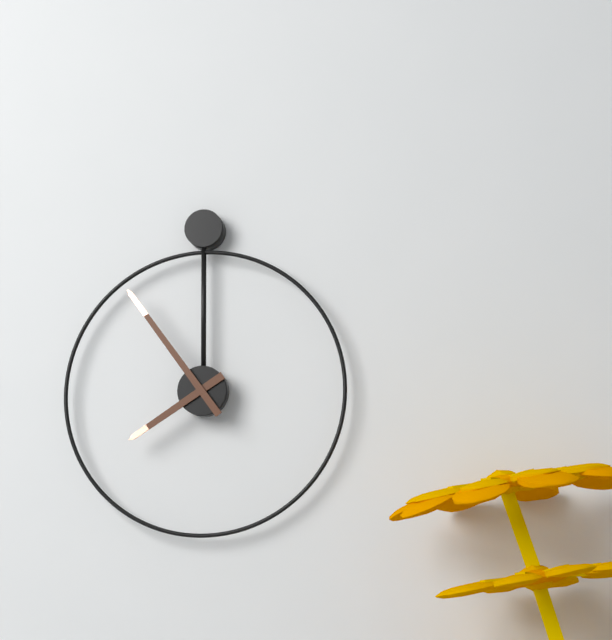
7:54
